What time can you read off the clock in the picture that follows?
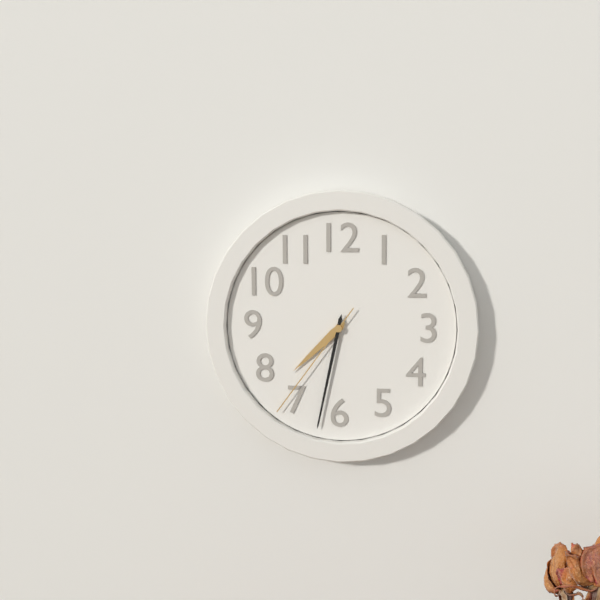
7:32:36
